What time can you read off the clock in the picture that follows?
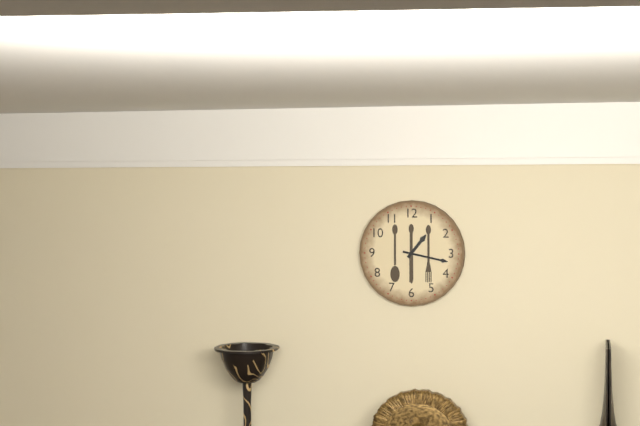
1:17
